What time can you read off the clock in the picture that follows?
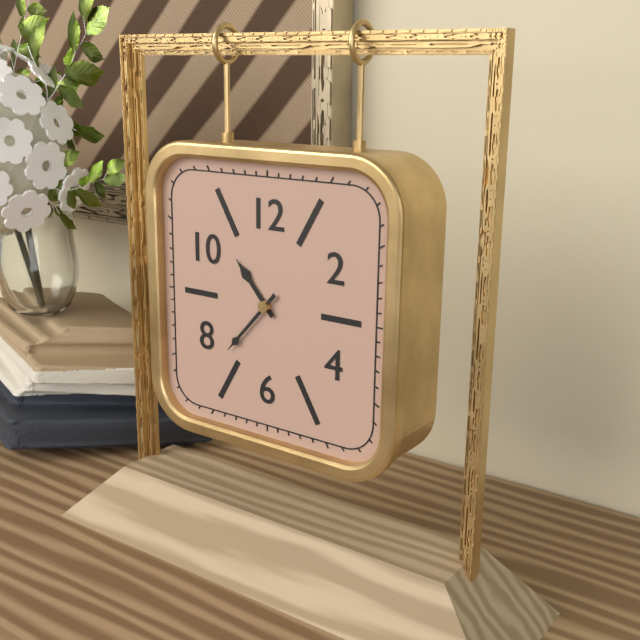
10:37
